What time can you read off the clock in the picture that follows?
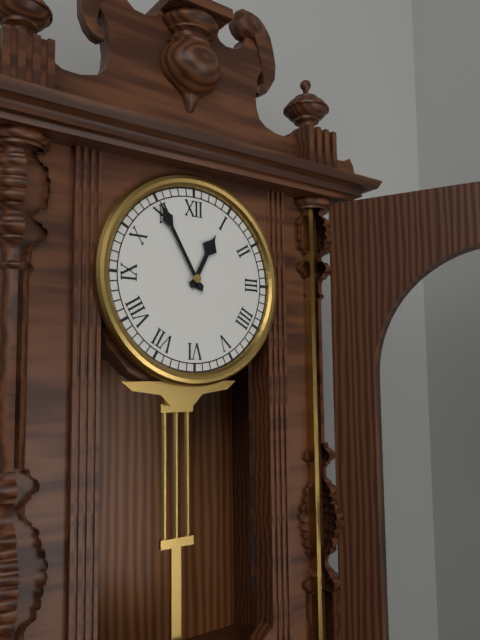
12:55
